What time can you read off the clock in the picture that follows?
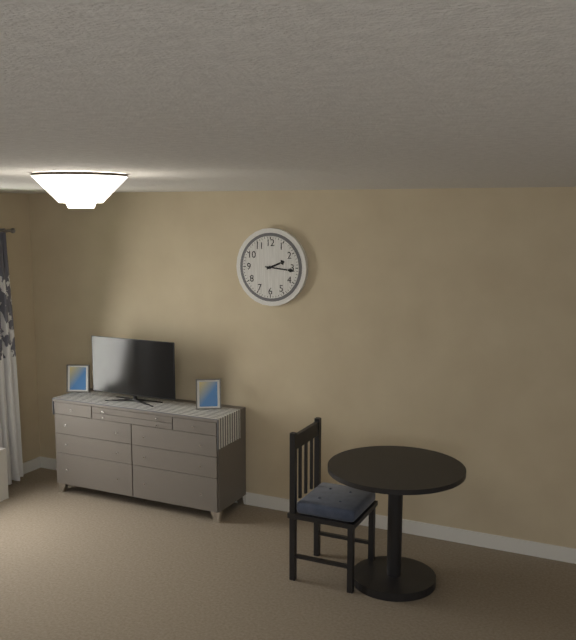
2:16
